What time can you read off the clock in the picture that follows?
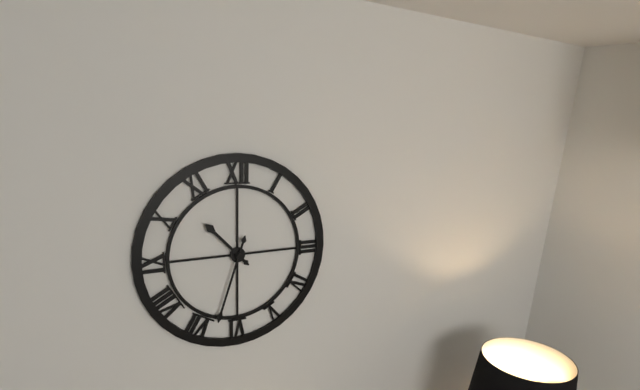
10:33
